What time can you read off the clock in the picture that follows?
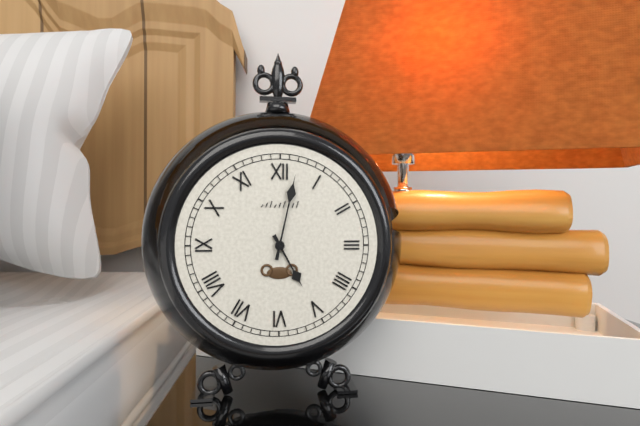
5:02
